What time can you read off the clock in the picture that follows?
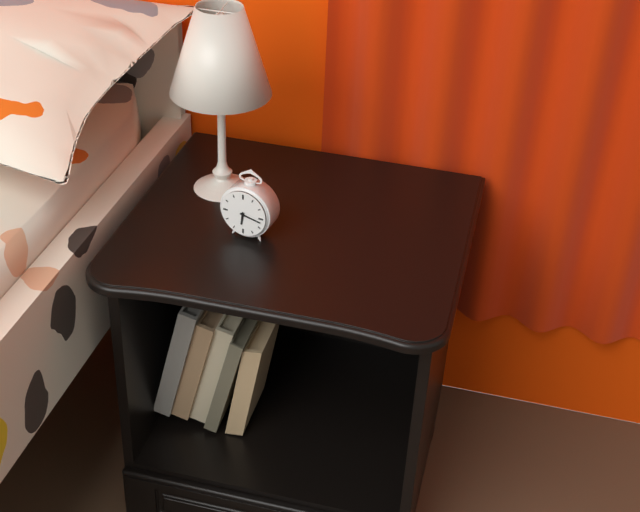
6:17
